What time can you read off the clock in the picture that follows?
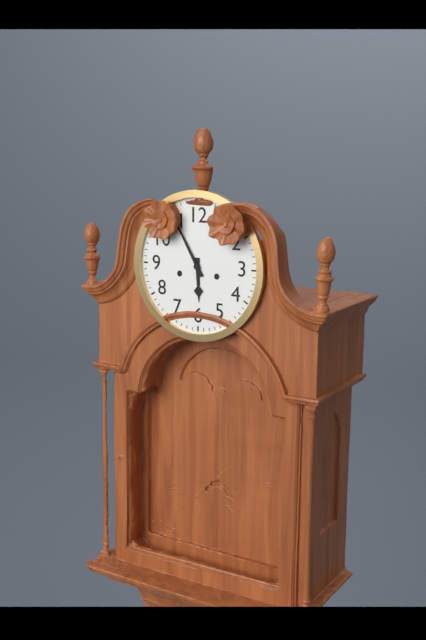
5:55
